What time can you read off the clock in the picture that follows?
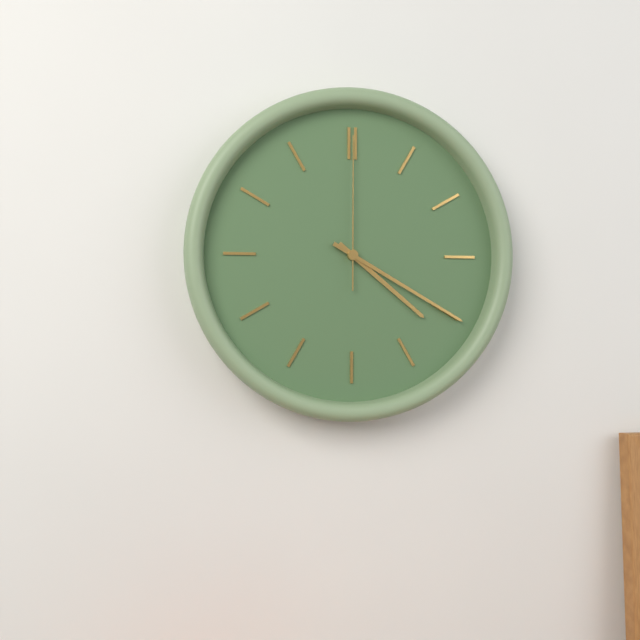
4:20:00
